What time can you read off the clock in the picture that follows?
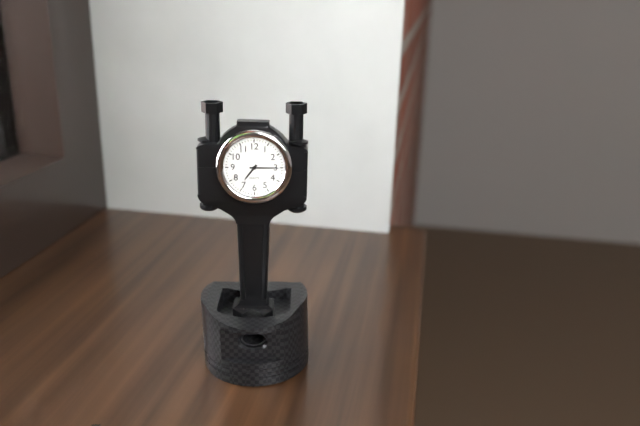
7:15
